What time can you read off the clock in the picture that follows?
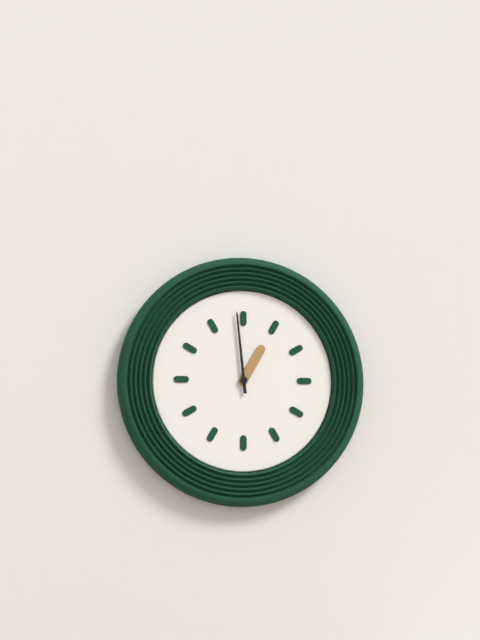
12:59
